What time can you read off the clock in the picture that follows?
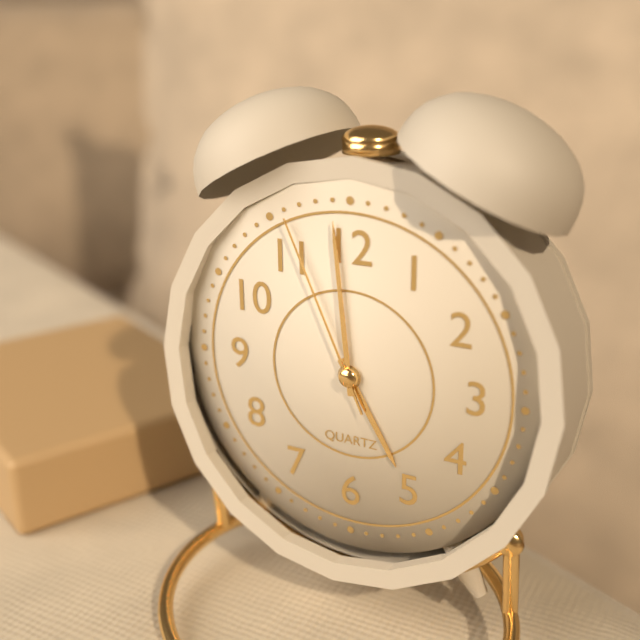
4:59:56
